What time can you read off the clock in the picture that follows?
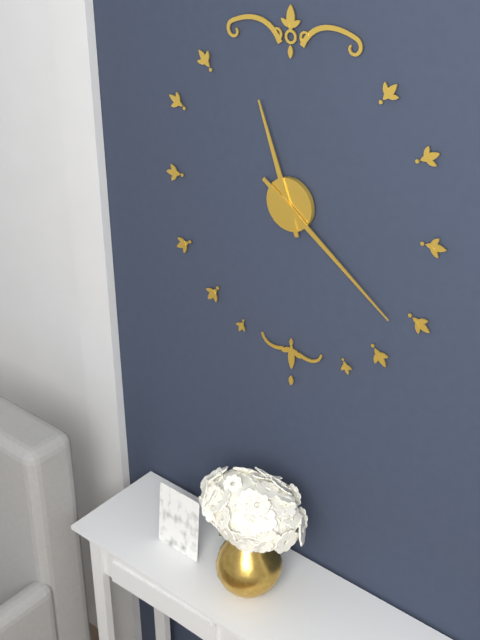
11:21
